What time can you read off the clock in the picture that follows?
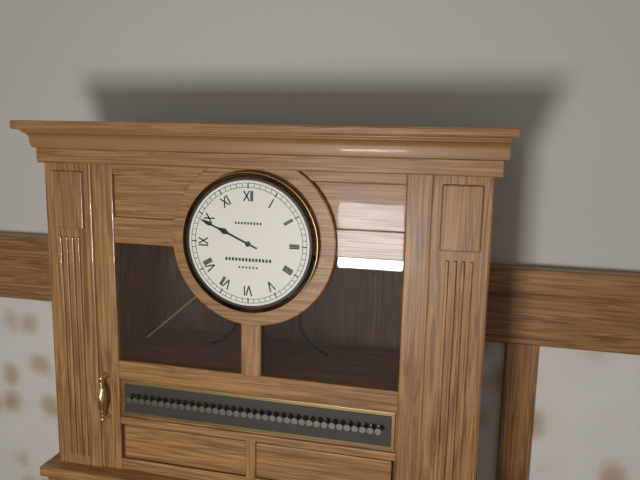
9:49
